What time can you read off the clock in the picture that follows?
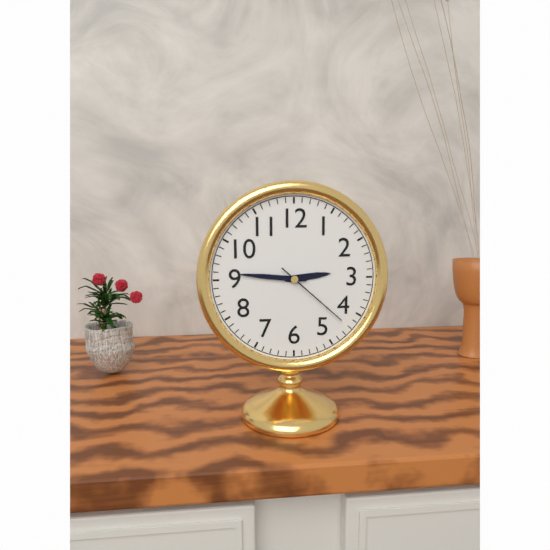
2:46:22
